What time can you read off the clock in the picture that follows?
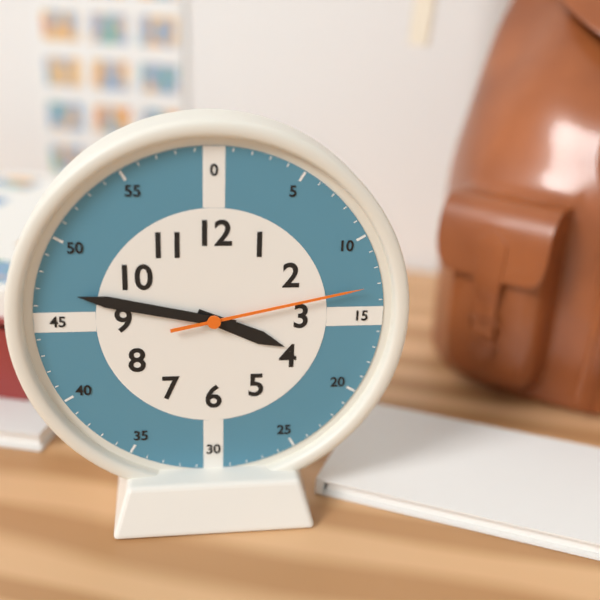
3:47:13
